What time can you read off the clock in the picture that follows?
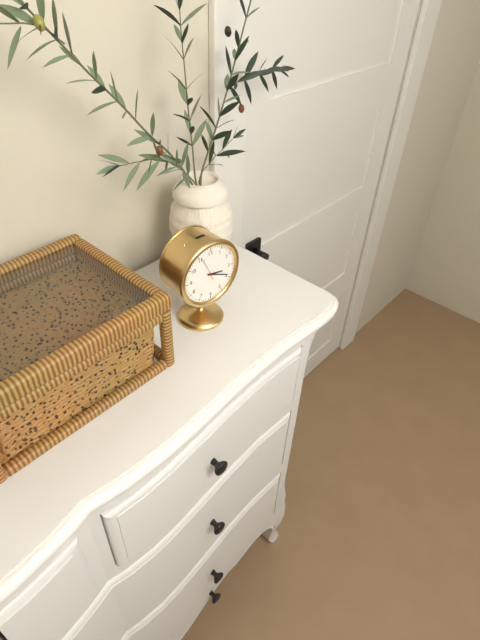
3:19
